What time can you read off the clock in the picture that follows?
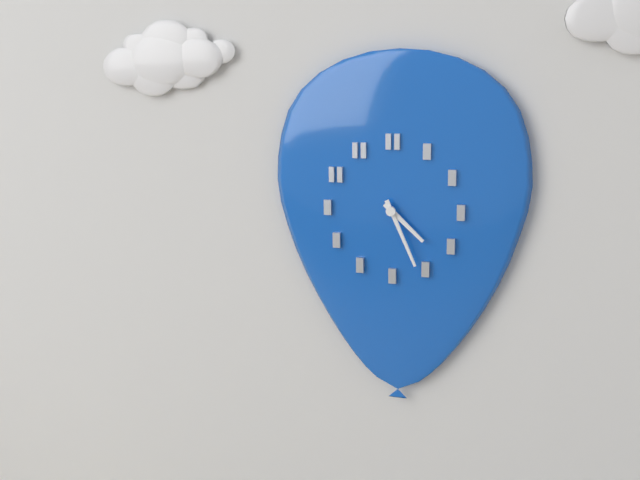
4:26
